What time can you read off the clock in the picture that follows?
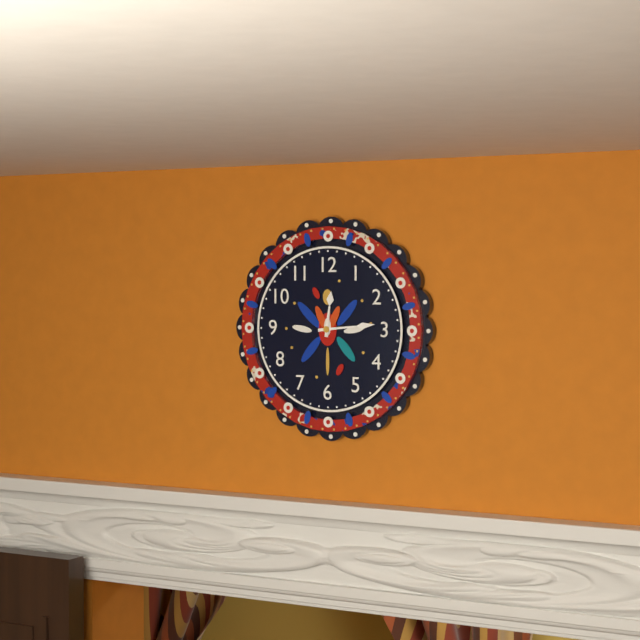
12:14
